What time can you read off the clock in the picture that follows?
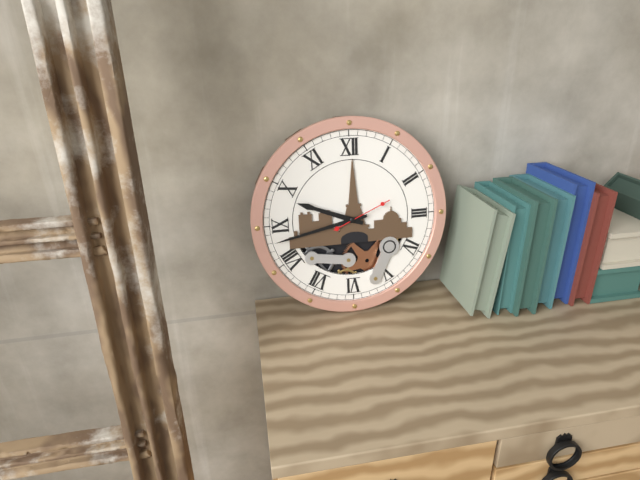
9:43:11
